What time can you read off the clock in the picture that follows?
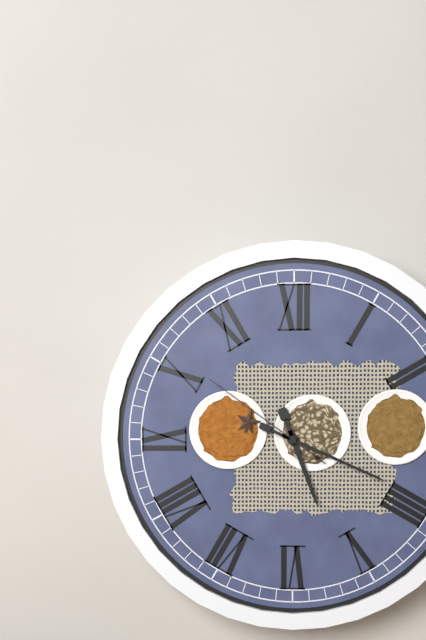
5:19:51
